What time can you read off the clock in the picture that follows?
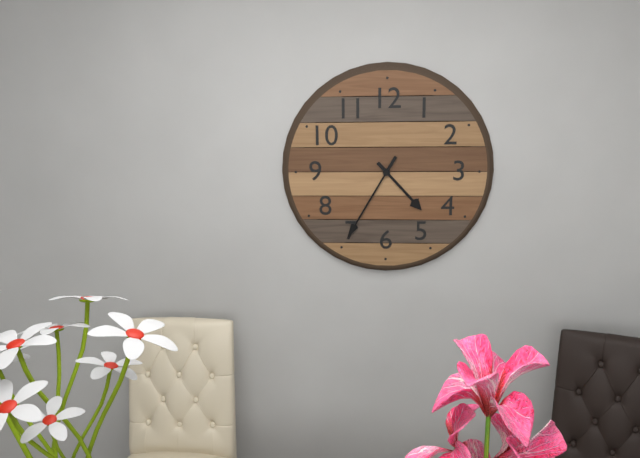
4:35
